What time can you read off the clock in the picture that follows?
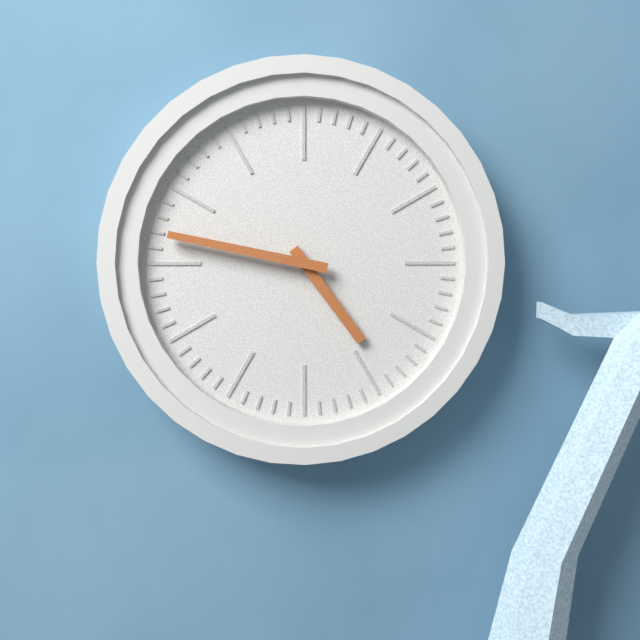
4:47
